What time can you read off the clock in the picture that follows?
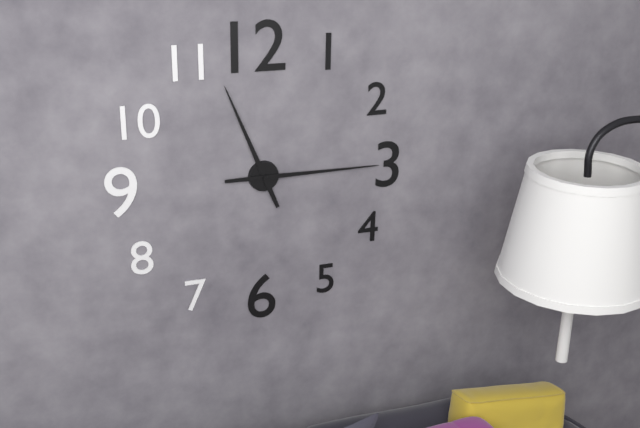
11:15
